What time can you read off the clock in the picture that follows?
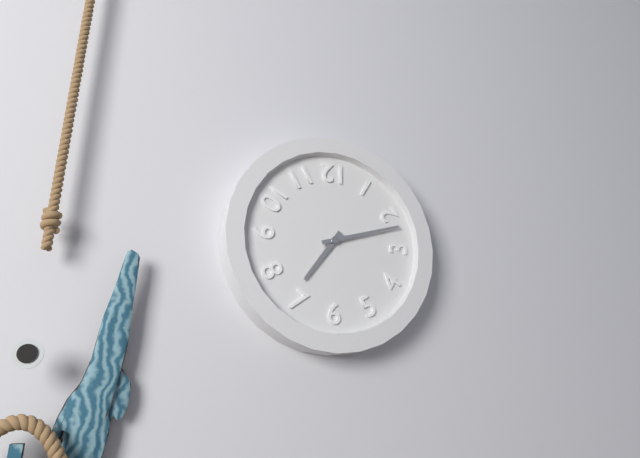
7:12
